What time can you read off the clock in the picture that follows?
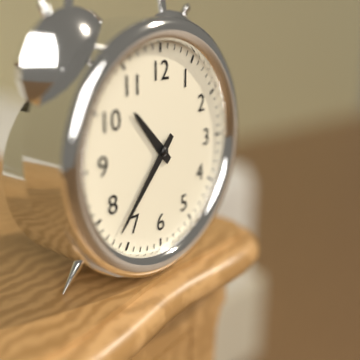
10:37
